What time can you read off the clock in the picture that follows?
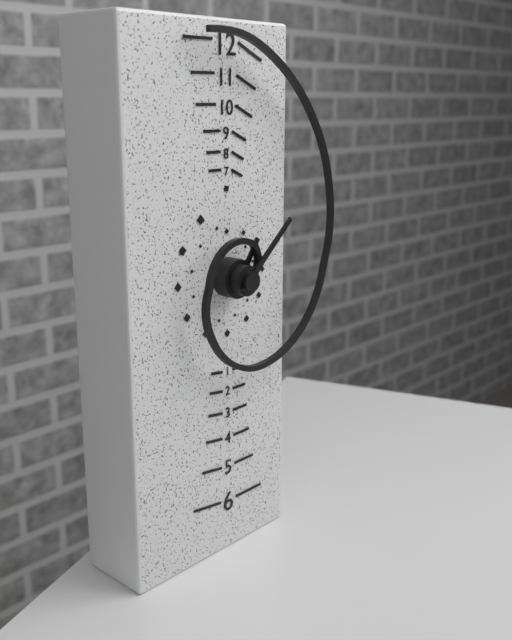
1:08
